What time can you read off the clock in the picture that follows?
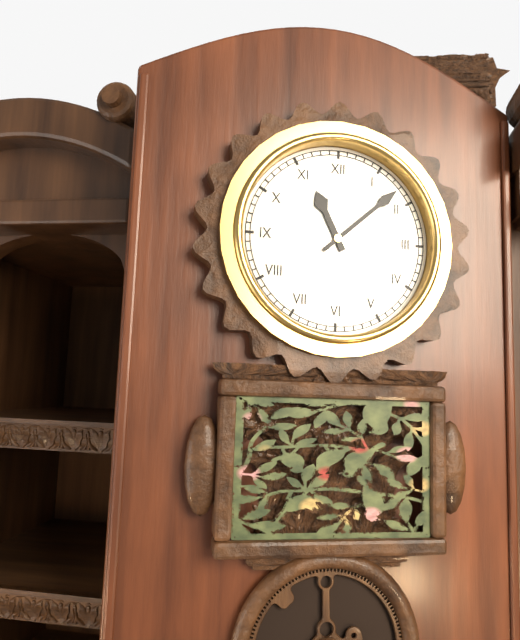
11:08
